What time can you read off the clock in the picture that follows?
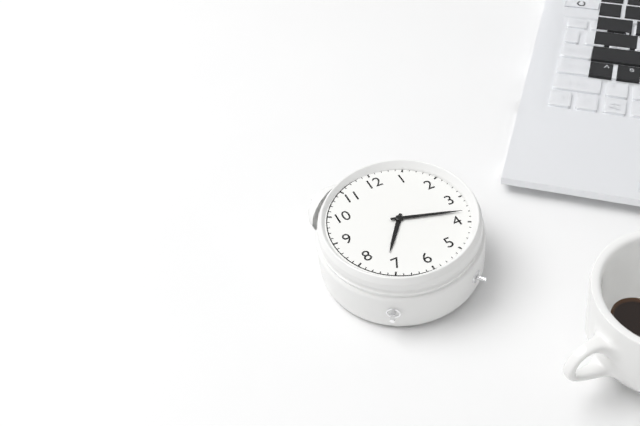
7:18
